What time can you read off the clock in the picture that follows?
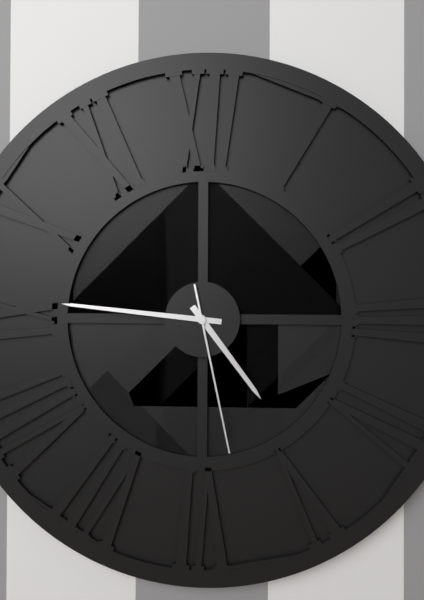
4:46:28
